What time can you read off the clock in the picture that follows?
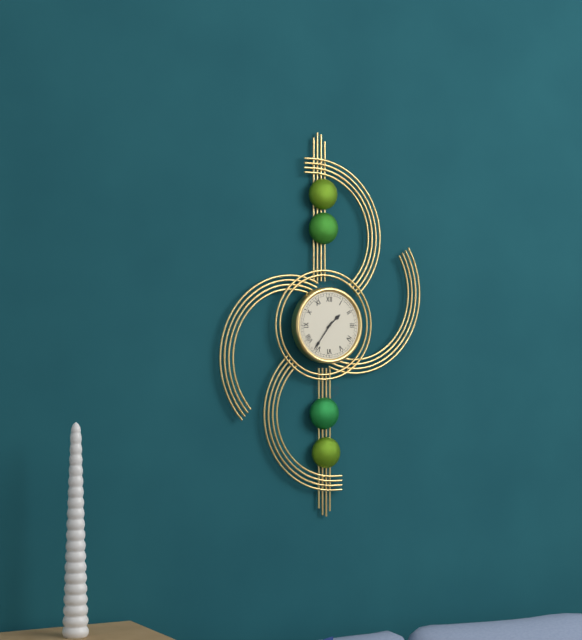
1:36
